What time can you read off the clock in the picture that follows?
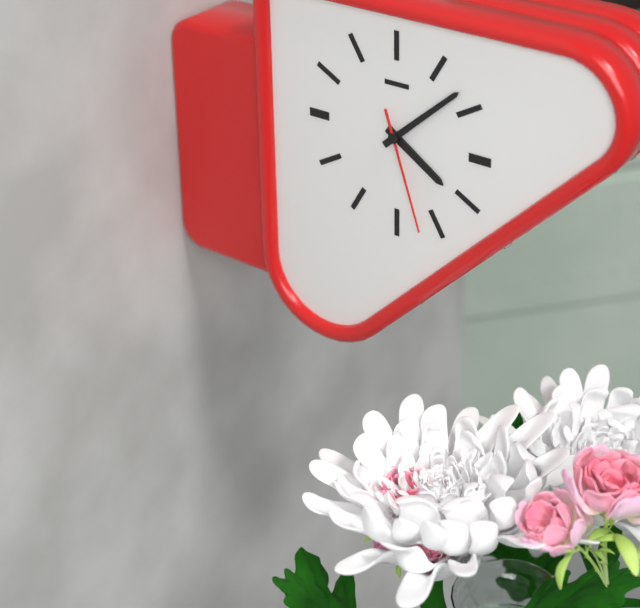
4:08:27
